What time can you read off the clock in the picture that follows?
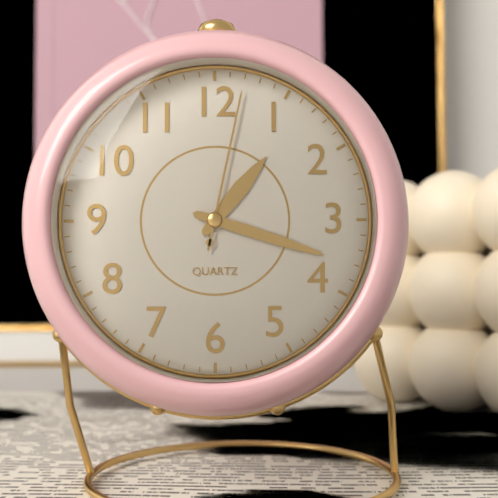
1:18:02
